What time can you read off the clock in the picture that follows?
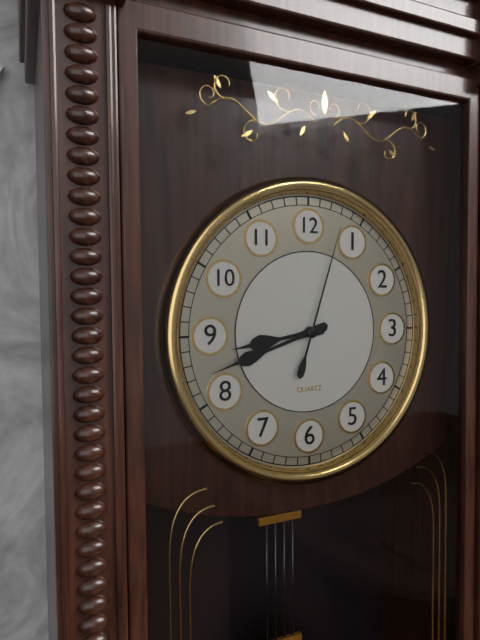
8:42:03
